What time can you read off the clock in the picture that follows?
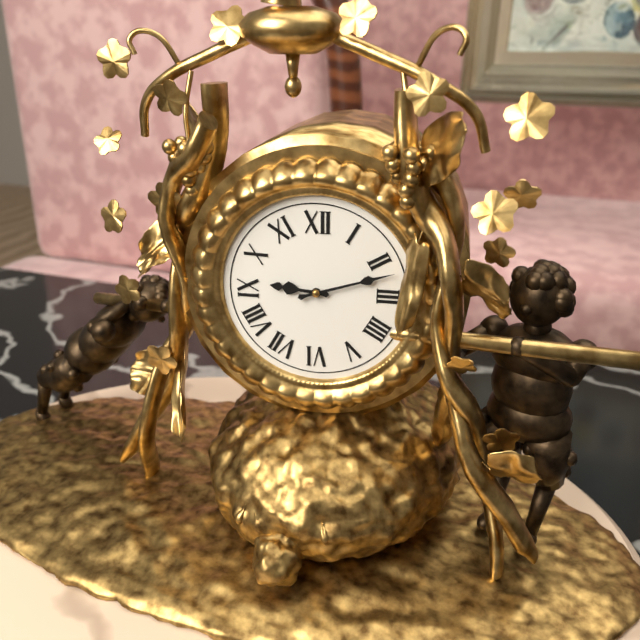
9:12
